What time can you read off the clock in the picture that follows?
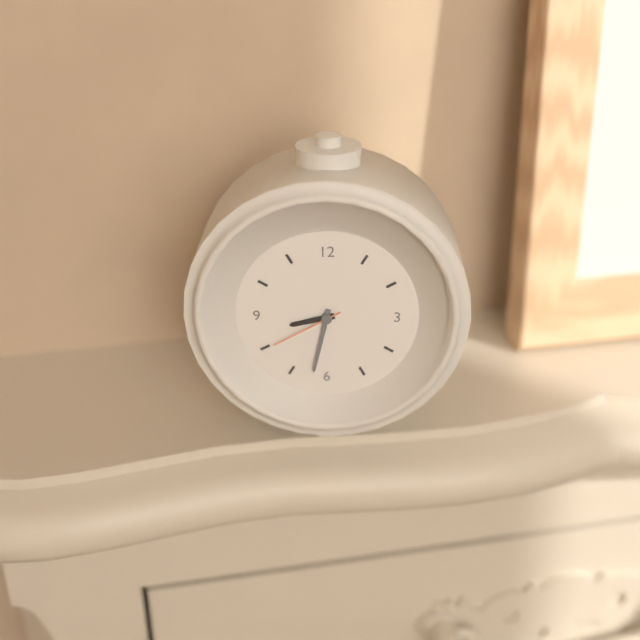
8:32:40
